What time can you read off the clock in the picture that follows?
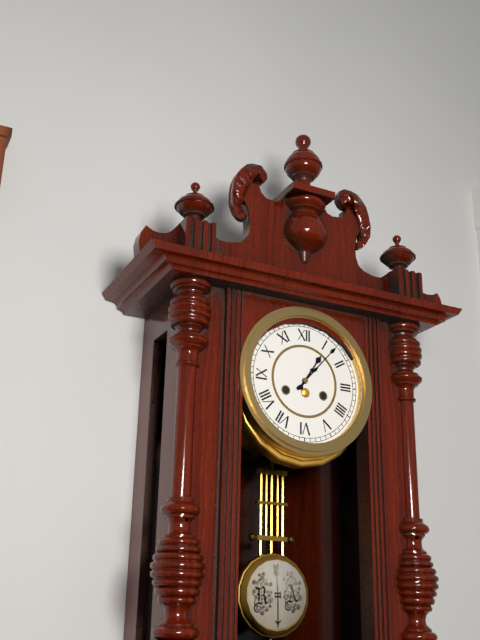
1:07
